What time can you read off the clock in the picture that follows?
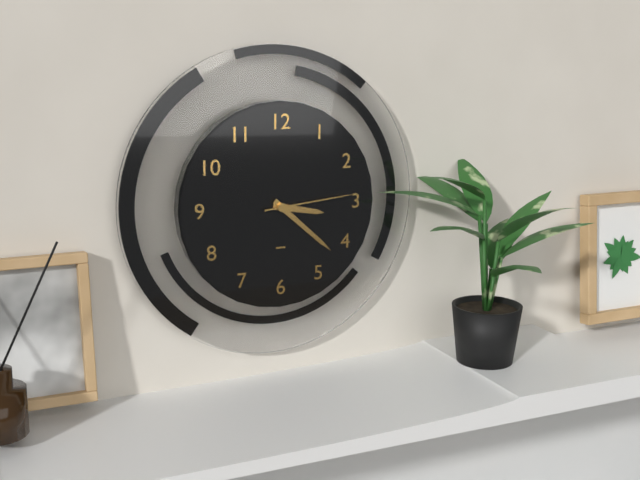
3:22:14
